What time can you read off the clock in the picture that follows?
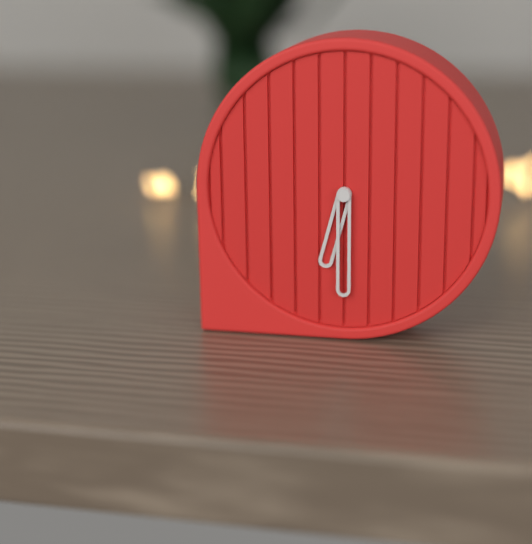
6:30
